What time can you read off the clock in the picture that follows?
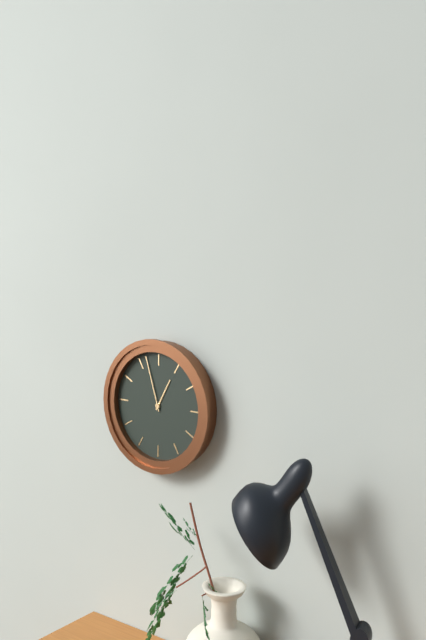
12:57
